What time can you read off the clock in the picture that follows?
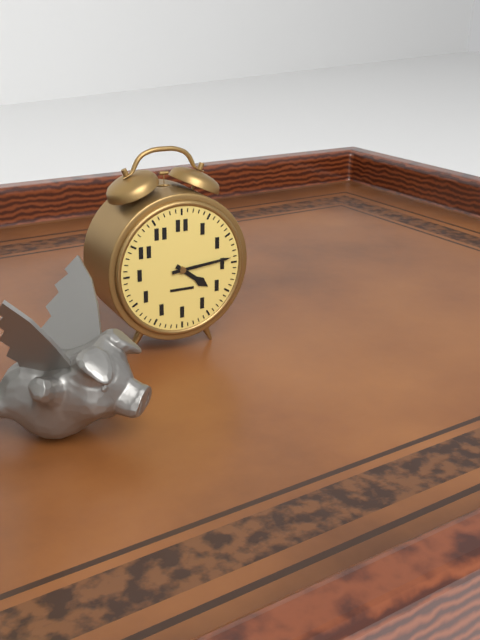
4:14
